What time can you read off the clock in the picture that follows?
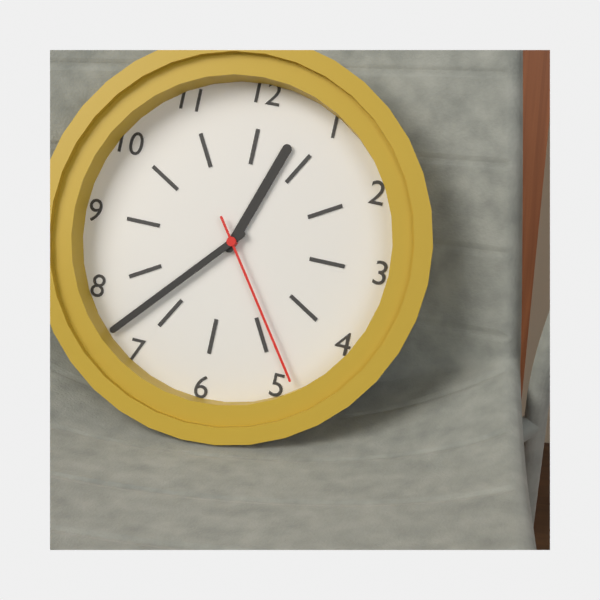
12:37:24
